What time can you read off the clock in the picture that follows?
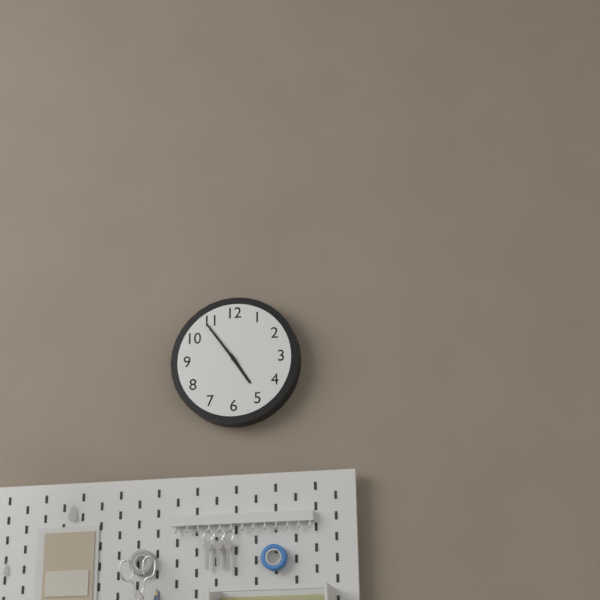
4:54
